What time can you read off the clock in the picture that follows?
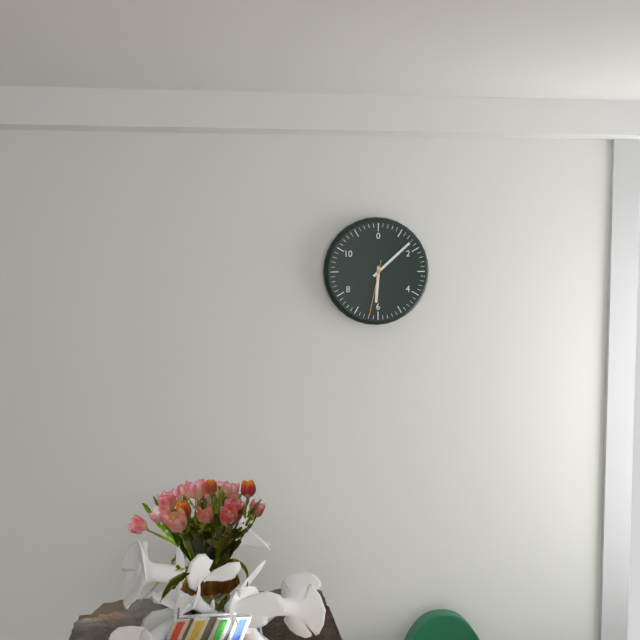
6:08:32
